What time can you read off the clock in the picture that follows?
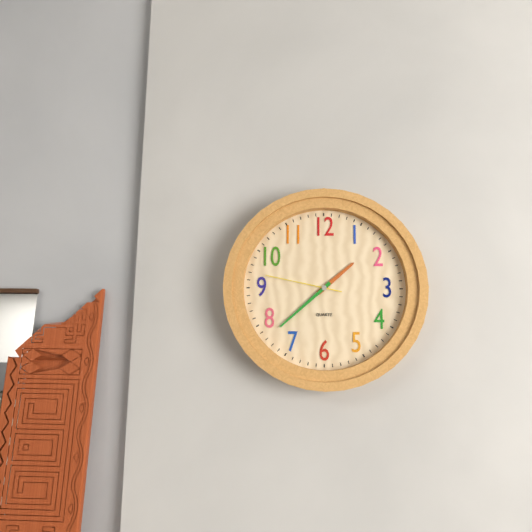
1:38:47
